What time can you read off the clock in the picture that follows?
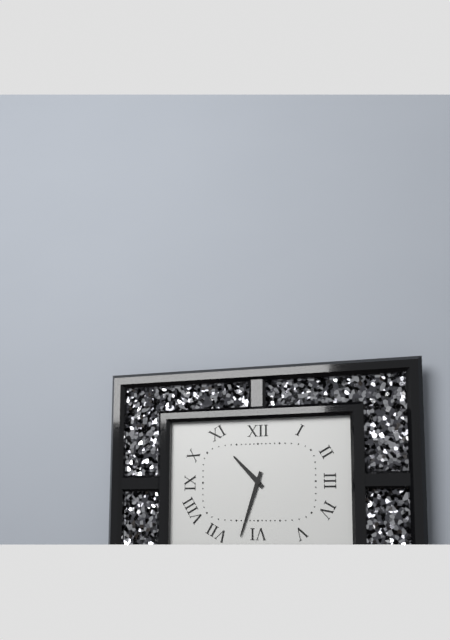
10:33
